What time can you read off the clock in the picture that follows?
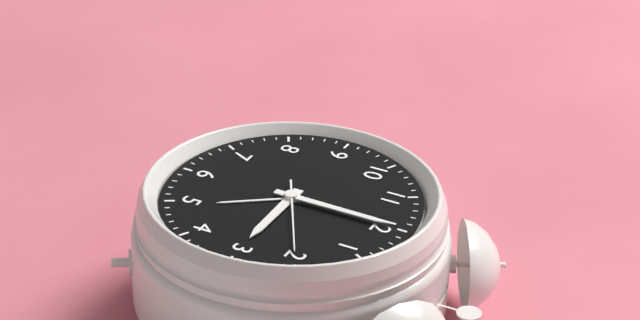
3:00:10
